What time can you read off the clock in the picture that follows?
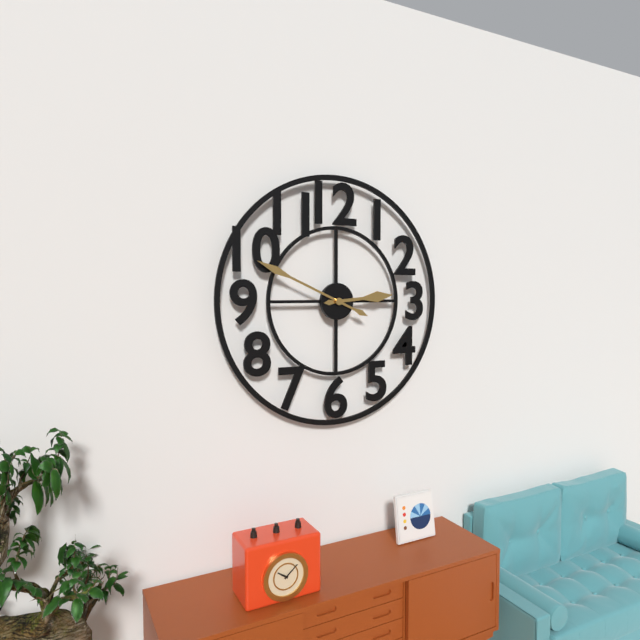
2:49
